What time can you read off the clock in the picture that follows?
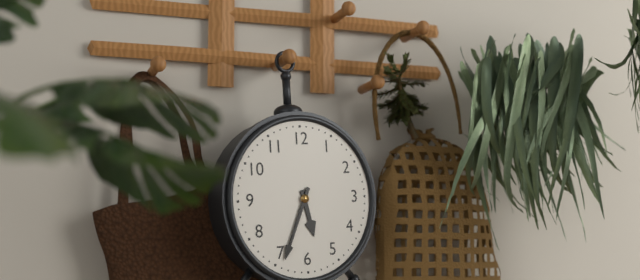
5:34
